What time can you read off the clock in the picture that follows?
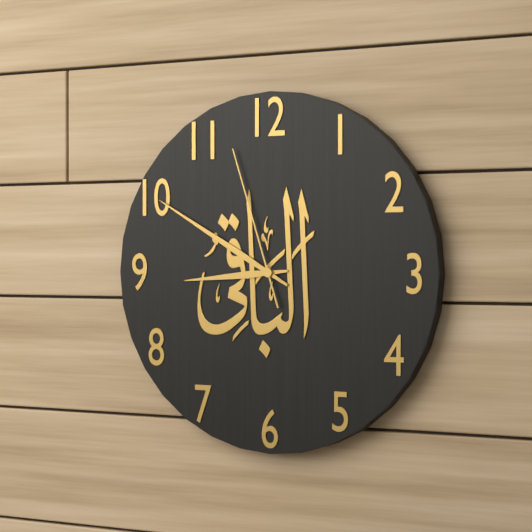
8:50:57
